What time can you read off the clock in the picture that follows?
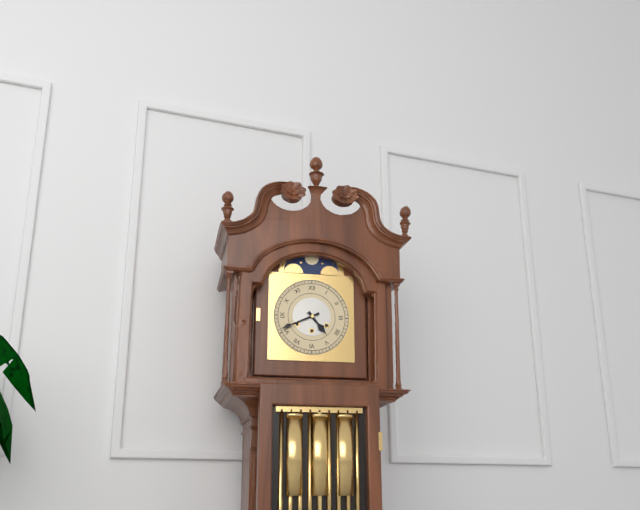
4:41
